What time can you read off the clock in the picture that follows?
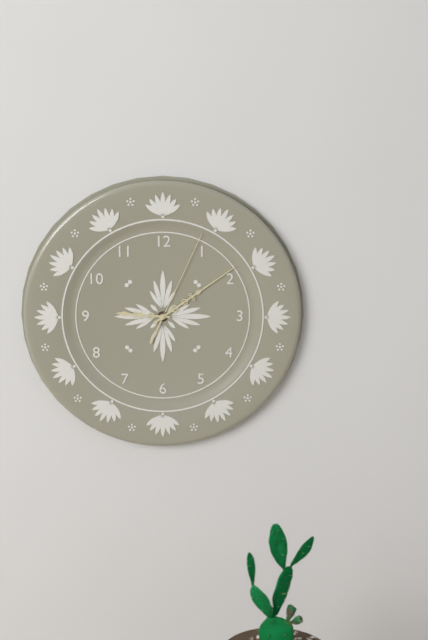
9:09:04
